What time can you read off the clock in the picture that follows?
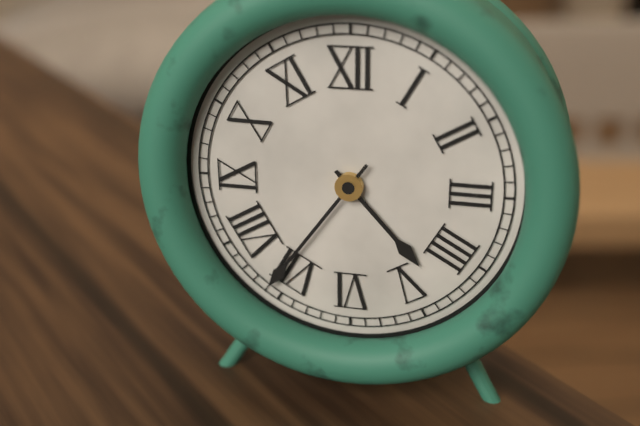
4:36
